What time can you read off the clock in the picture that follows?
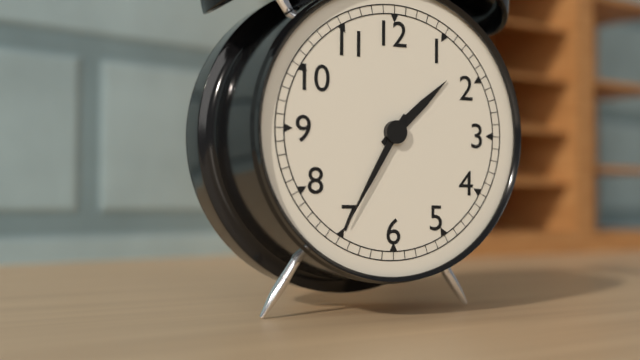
1:35
